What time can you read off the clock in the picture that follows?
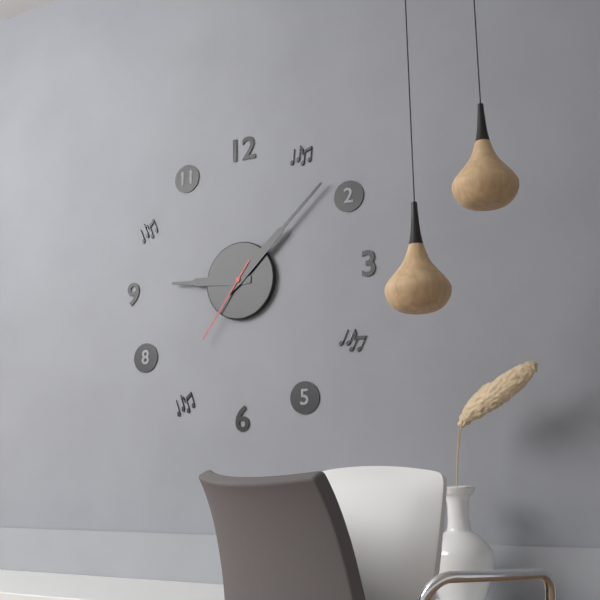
9:08:36
